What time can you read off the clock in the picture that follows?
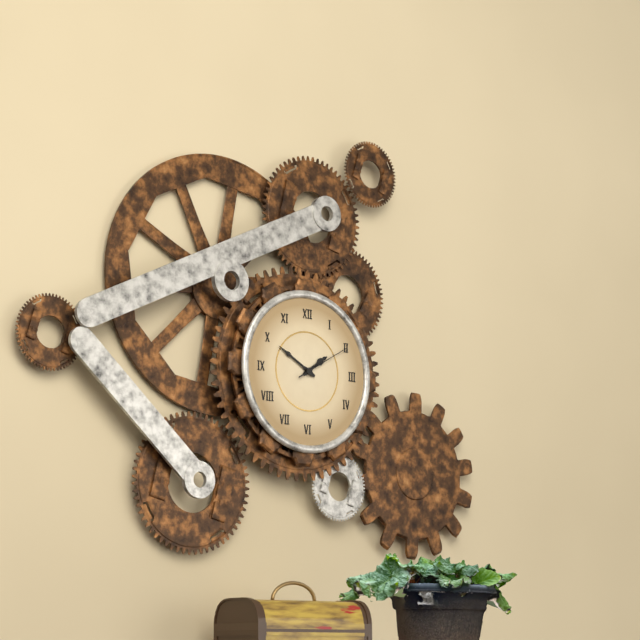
1:50:10
